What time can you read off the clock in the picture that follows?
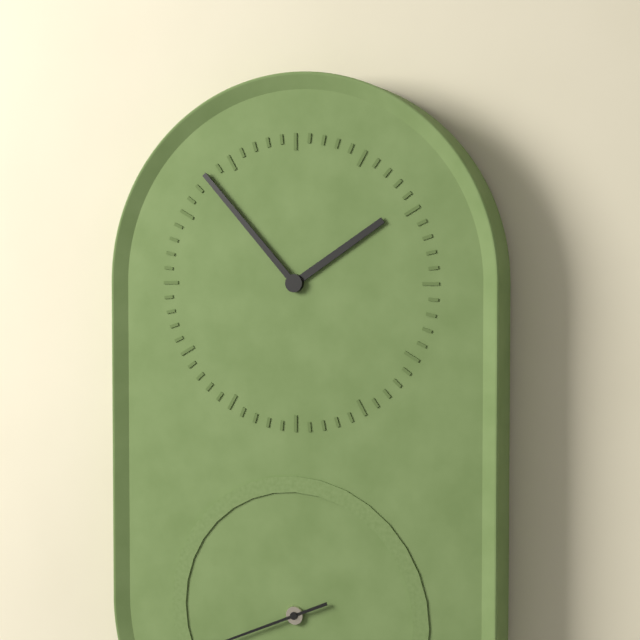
1:53
